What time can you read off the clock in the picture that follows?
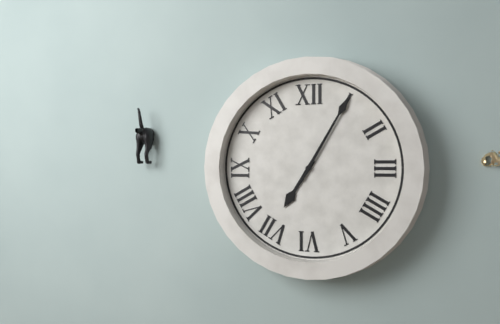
7:05
